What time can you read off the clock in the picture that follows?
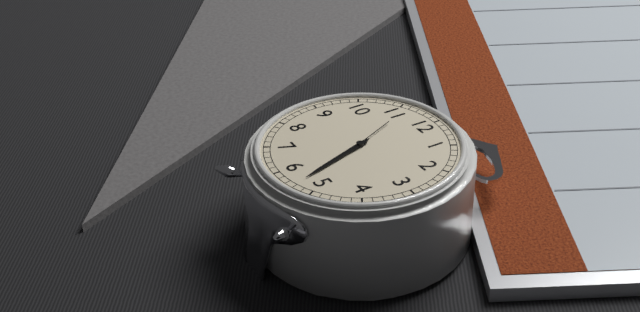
5:27
